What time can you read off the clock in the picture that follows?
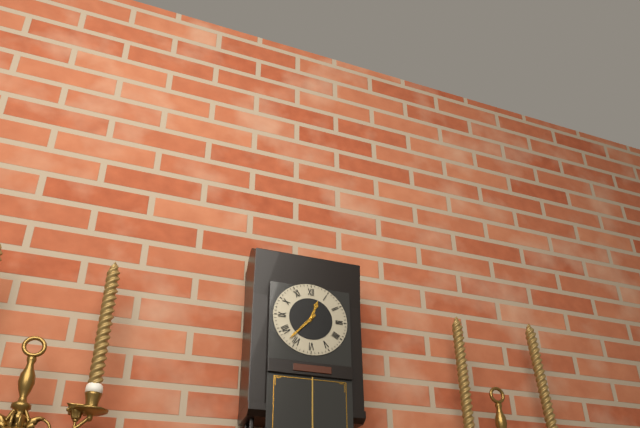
12:37
